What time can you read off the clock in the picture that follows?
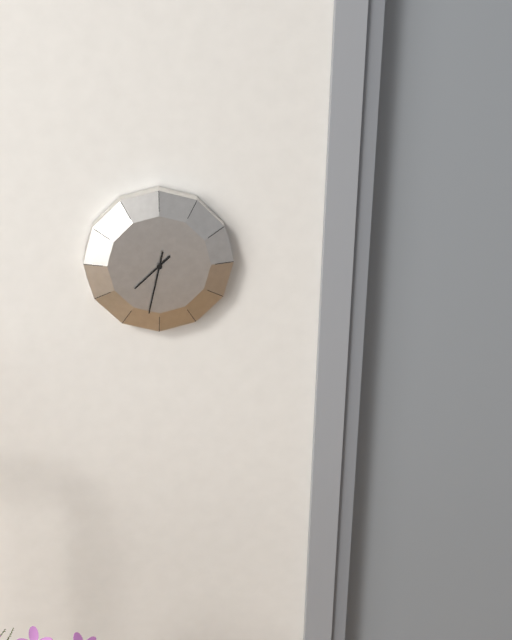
7:32
